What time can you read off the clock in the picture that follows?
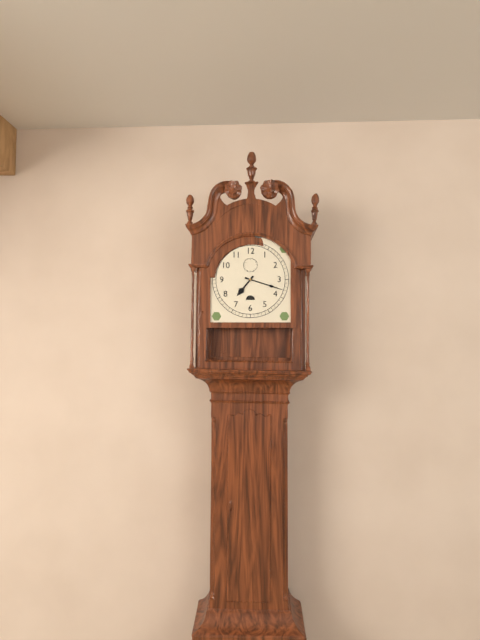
7:18
